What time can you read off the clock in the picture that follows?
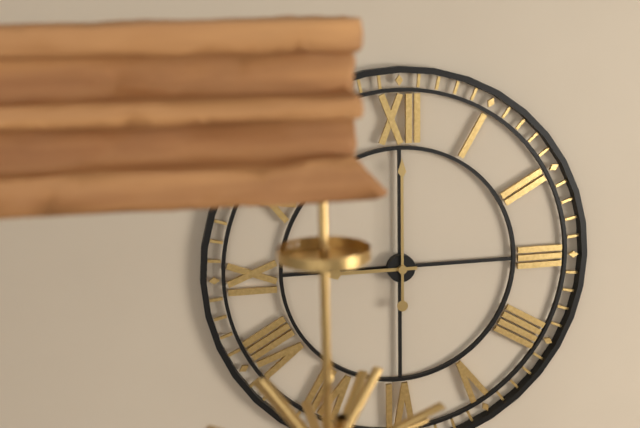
9:00
